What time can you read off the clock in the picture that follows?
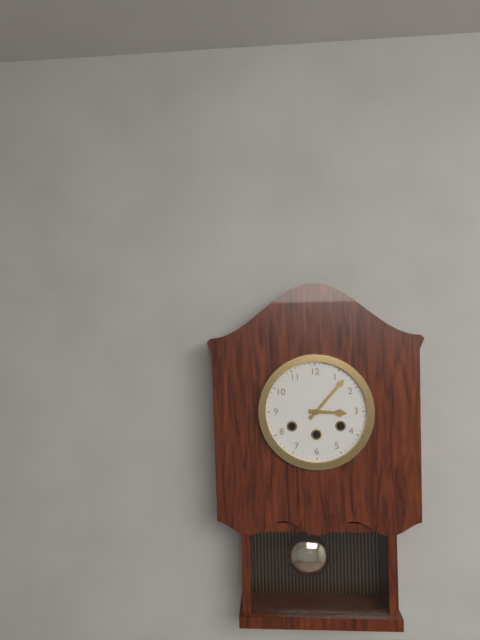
3:07
